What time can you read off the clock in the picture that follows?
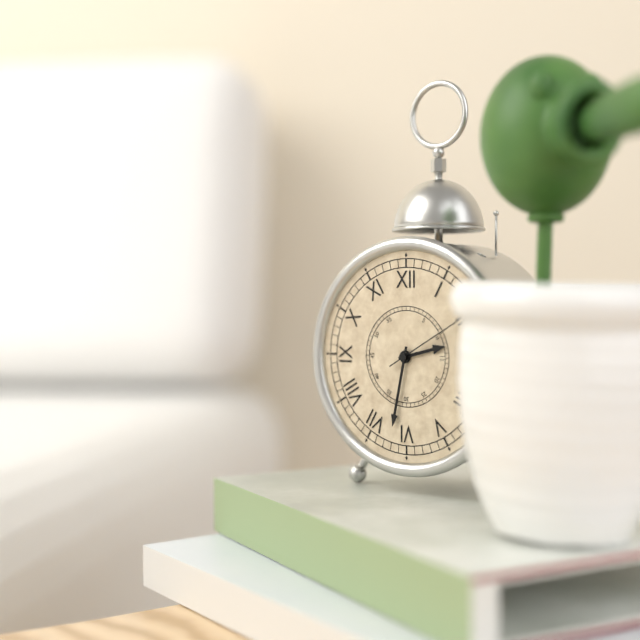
2:32:10
